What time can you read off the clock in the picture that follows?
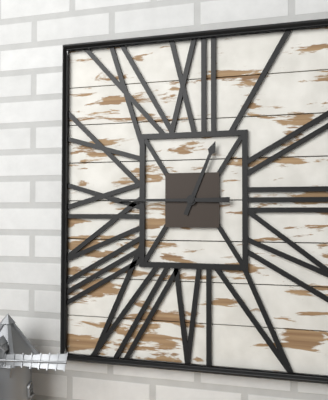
12:45
